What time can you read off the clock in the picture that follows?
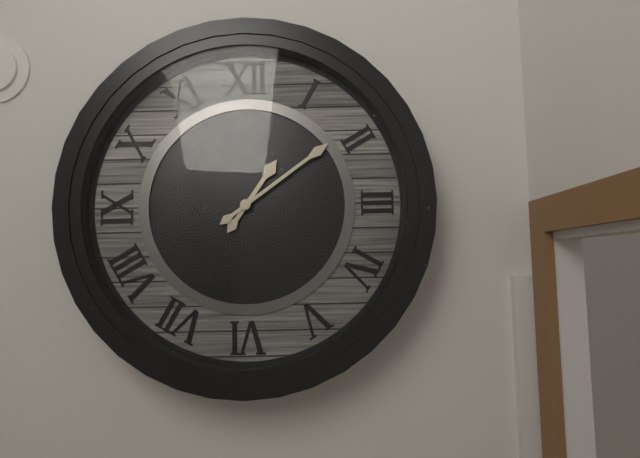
1:09
